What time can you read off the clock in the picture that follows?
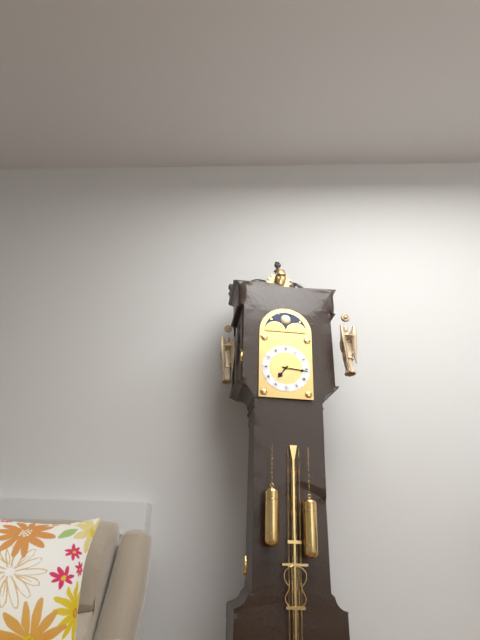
7:16
